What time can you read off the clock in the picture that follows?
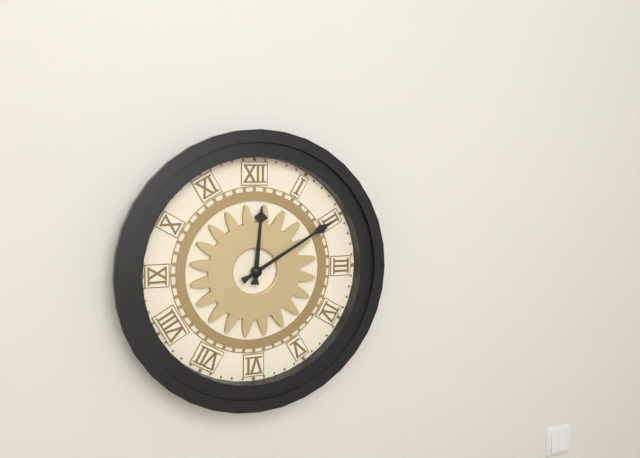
12:10
